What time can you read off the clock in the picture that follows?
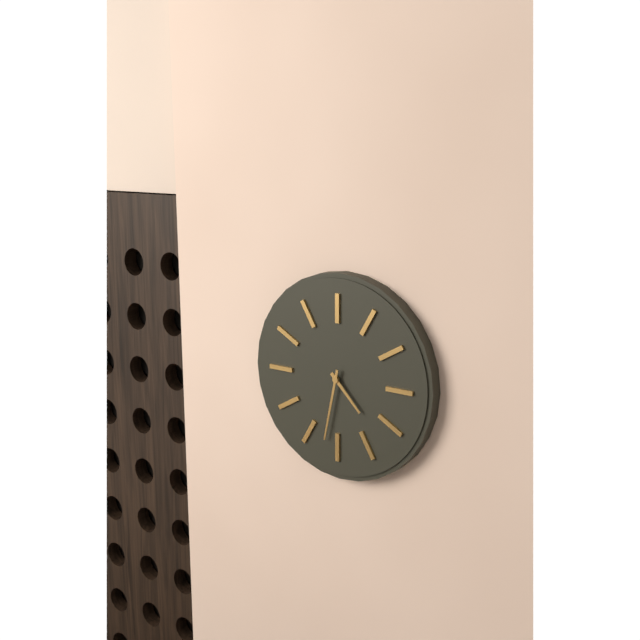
4:32
